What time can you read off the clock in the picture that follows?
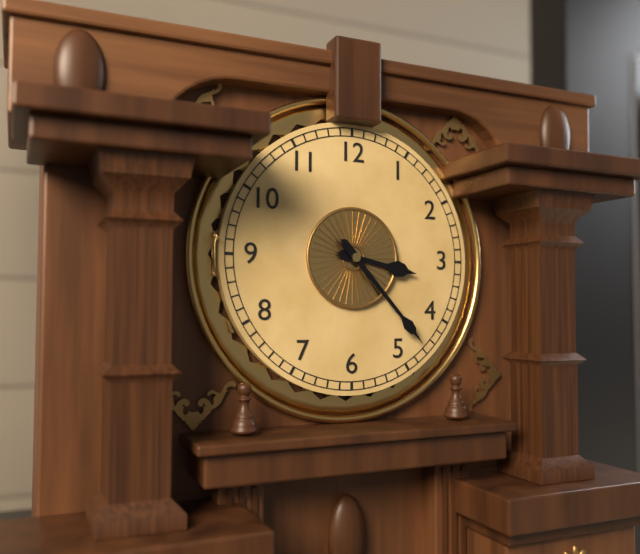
3:23
